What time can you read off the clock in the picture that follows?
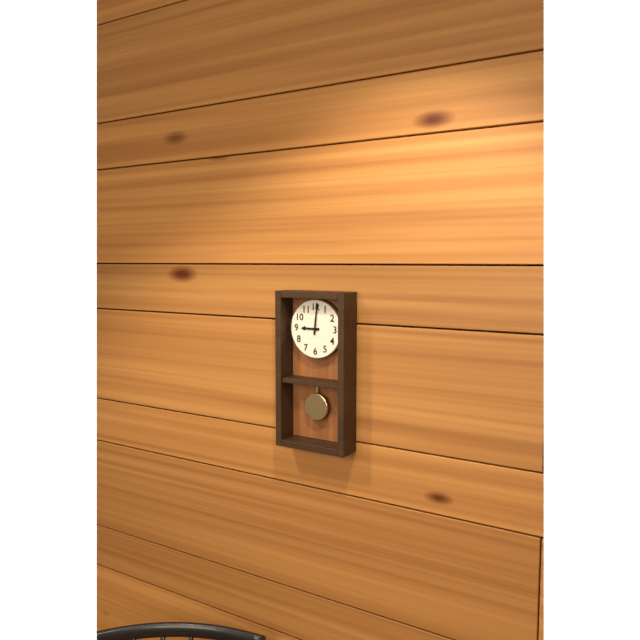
9:01
